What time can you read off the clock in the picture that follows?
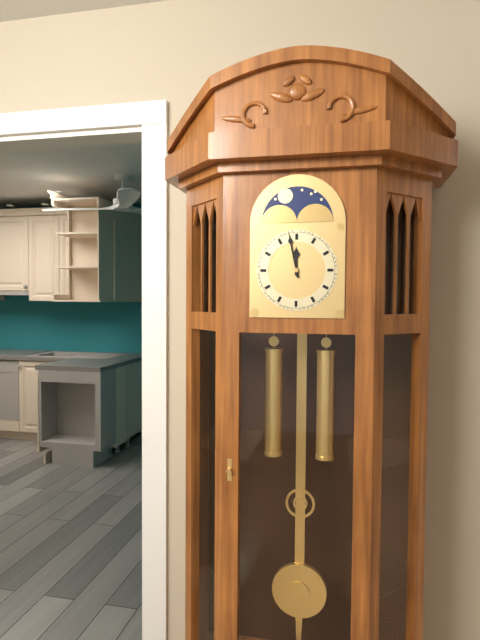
11:58
